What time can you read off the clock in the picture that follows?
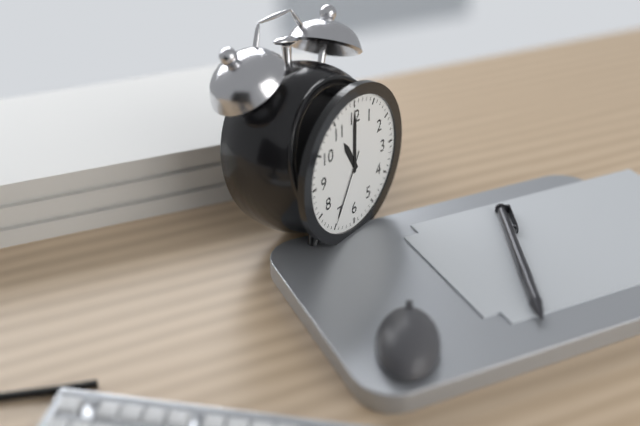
11:00:35
